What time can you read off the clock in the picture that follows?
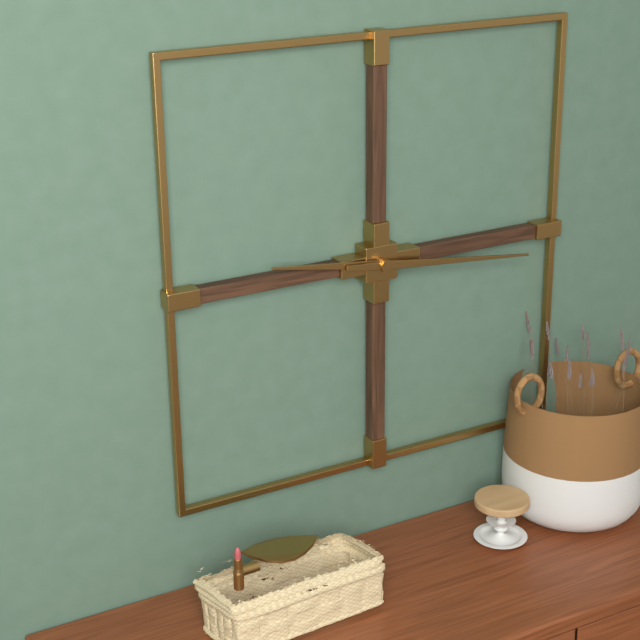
9:16
